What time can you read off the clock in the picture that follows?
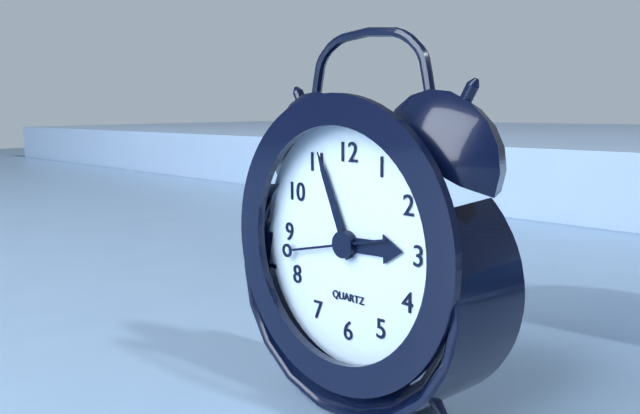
2:56:43
